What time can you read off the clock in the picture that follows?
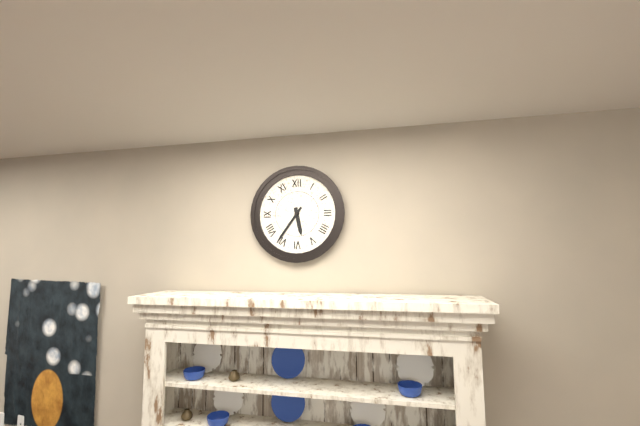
5:36
